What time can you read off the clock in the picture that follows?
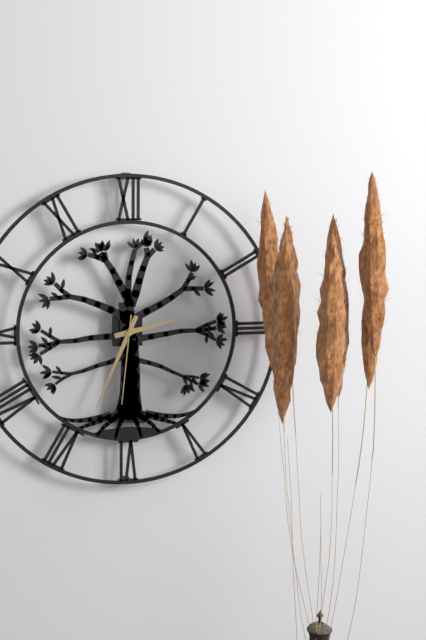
2:34:31
